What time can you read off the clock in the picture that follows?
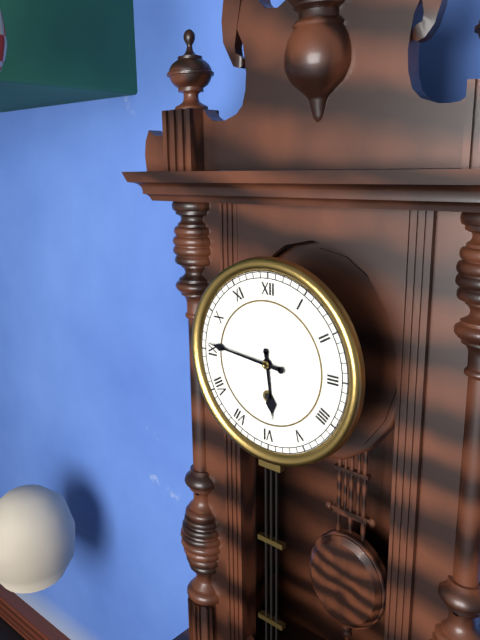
5:46
